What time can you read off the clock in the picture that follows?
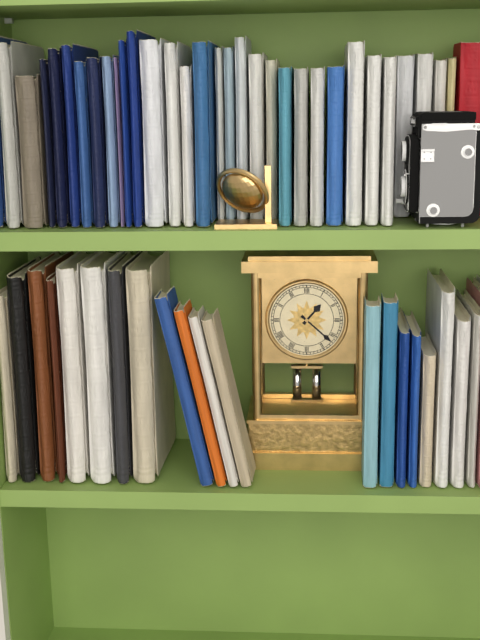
1:22
